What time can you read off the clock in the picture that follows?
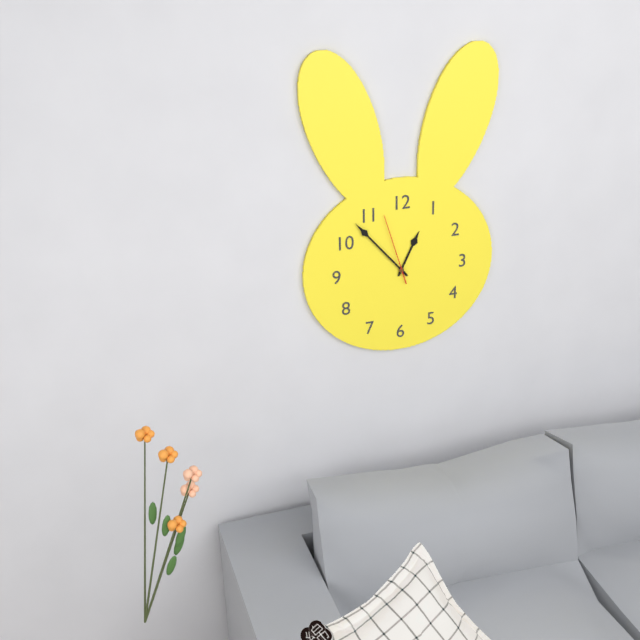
12:53:57
